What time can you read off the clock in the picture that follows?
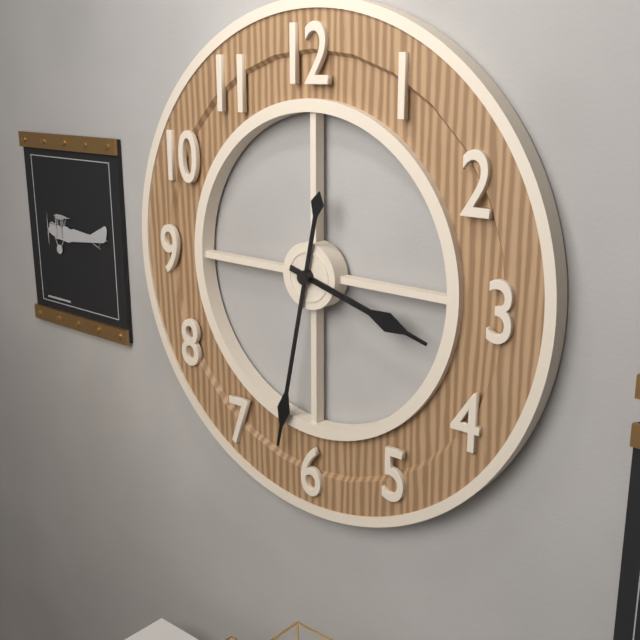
3:32
